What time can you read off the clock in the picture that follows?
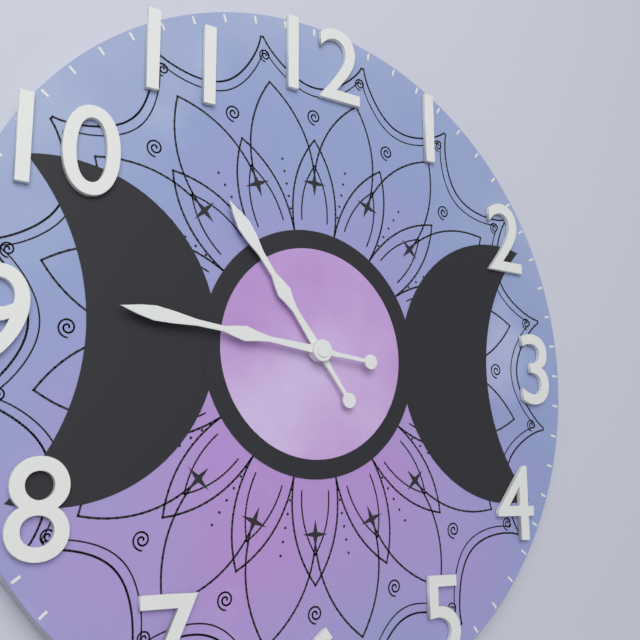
10:46
